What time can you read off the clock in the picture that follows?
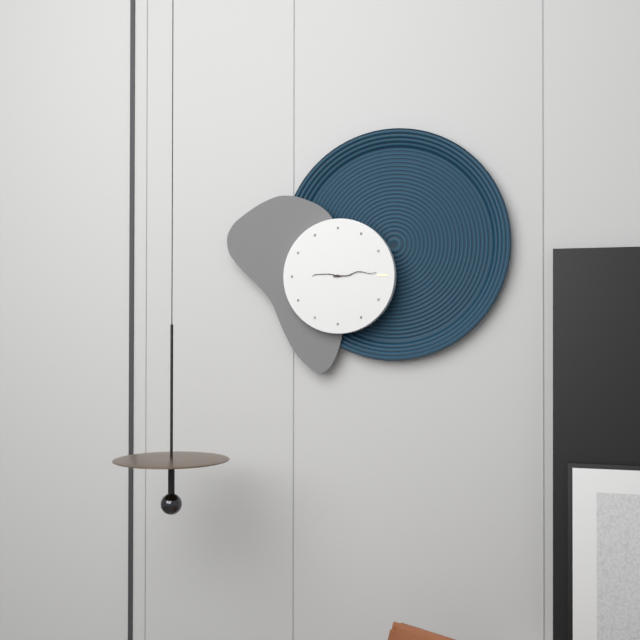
9:14
